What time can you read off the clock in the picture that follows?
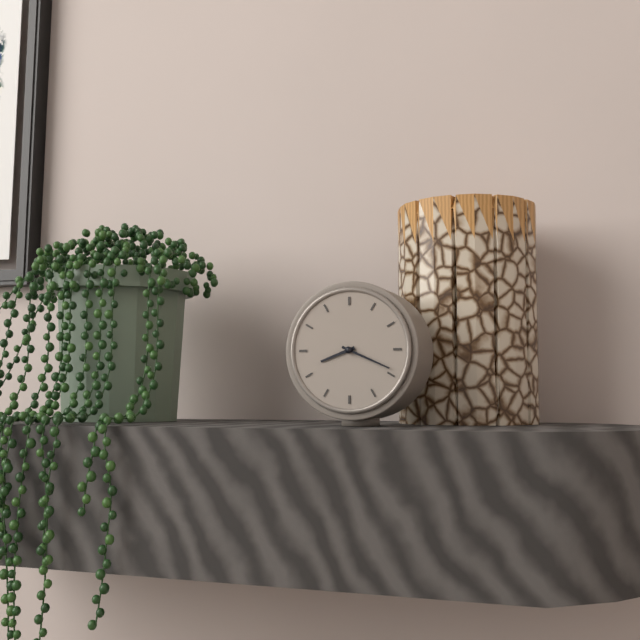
8:19
